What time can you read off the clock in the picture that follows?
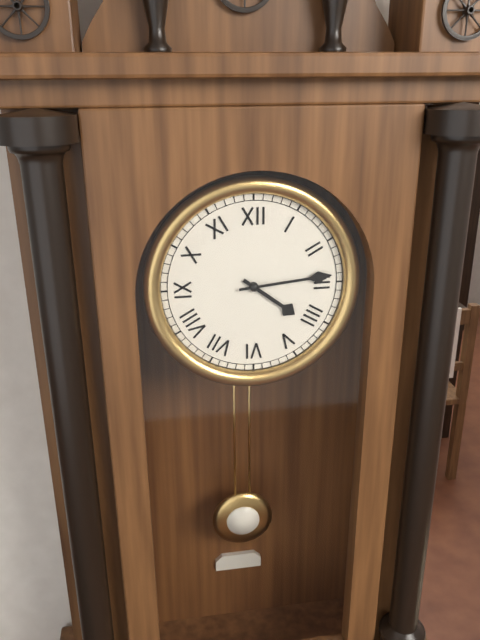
4:14
